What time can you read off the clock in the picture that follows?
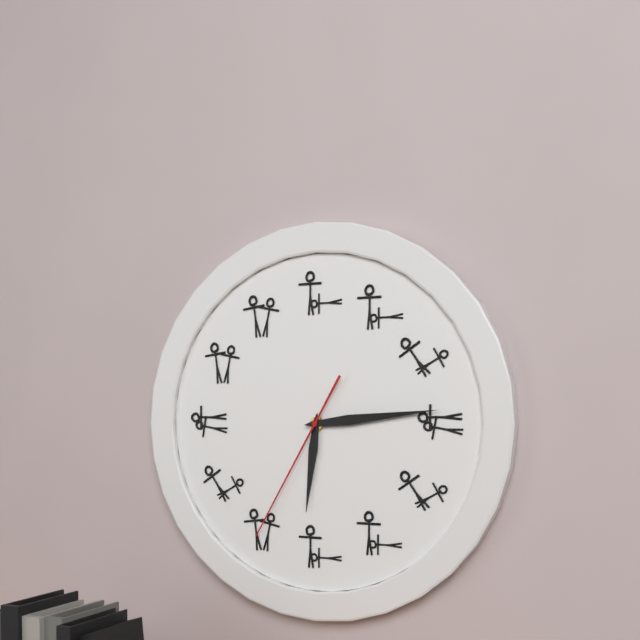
6:14:35
